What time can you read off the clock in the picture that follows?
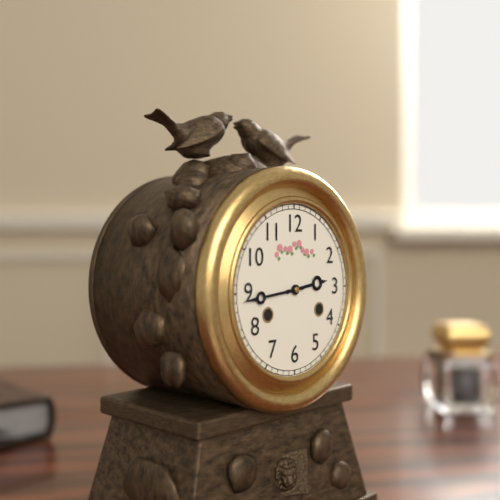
2:44
